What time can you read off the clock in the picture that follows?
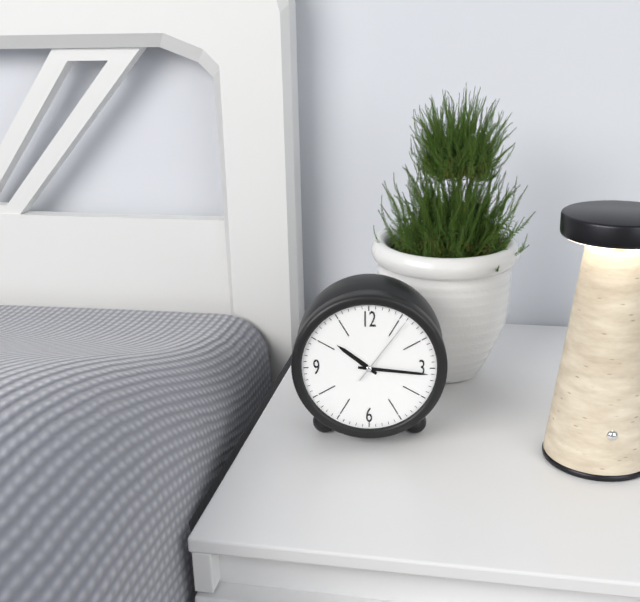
10:16:06
